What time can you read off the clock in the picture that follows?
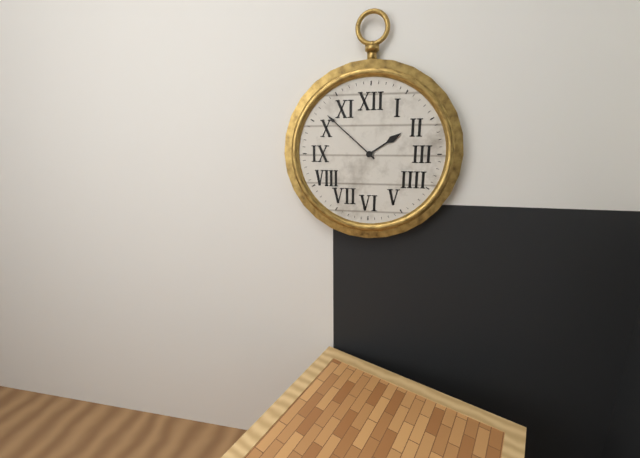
1:52
